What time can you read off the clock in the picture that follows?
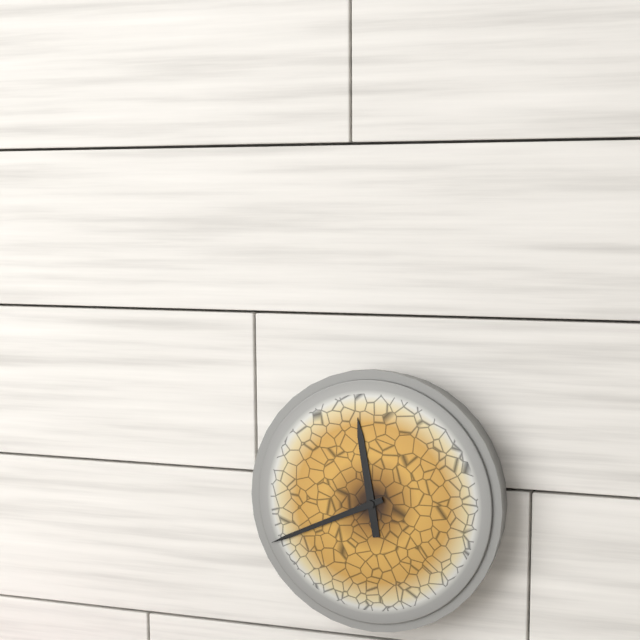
11:41
